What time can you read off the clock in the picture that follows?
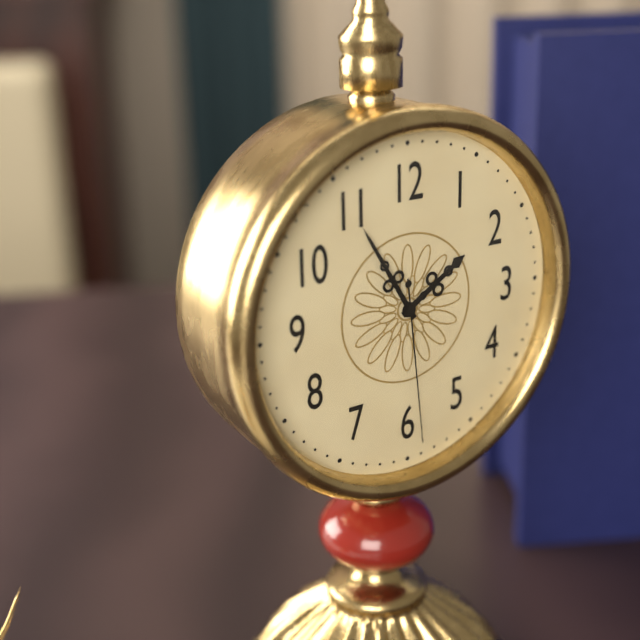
1:55:29
